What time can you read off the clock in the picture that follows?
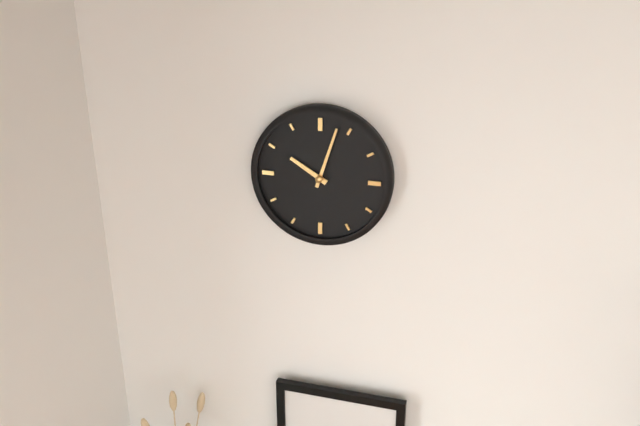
10:03
